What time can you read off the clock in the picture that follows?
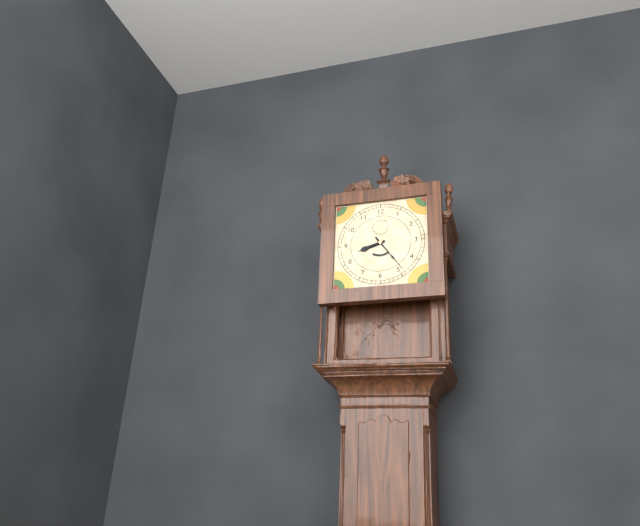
8:24
